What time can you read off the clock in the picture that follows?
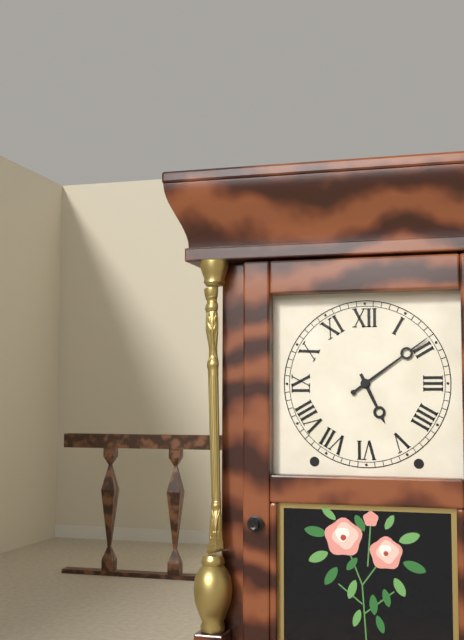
5:09
